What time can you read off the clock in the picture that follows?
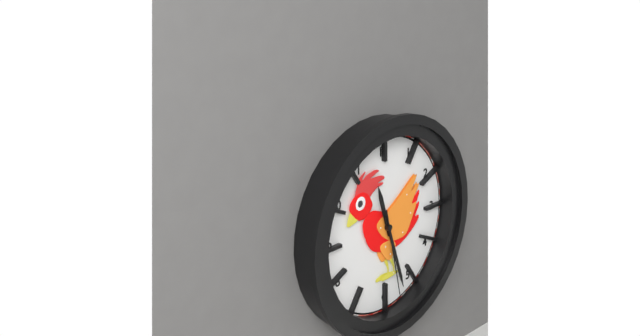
11:27:28
